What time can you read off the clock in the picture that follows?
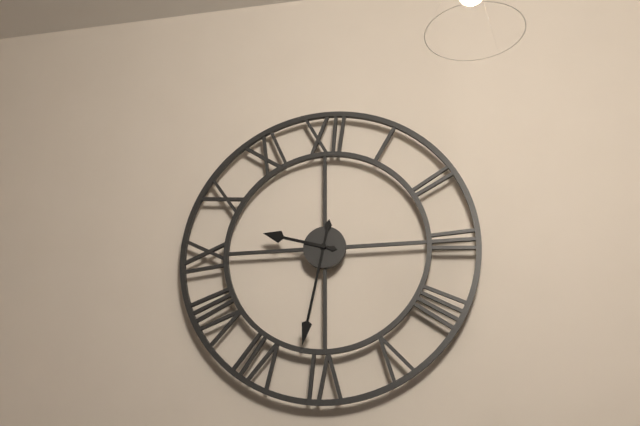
9:32
